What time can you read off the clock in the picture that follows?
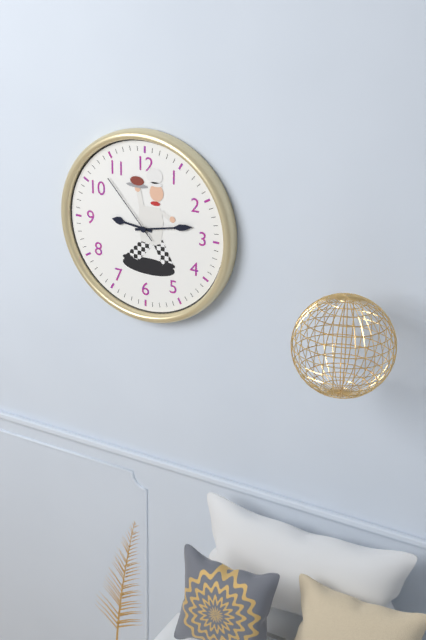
9:13:53
